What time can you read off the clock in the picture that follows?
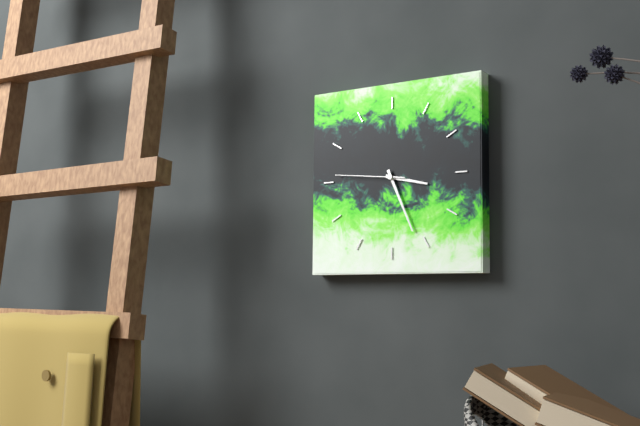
3:26:46
